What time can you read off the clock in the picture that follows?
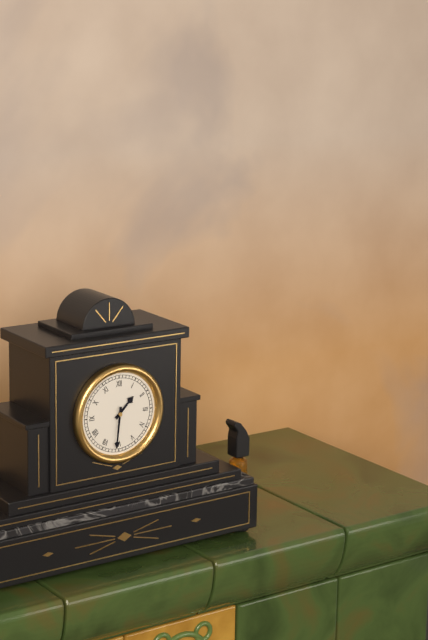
1:31
